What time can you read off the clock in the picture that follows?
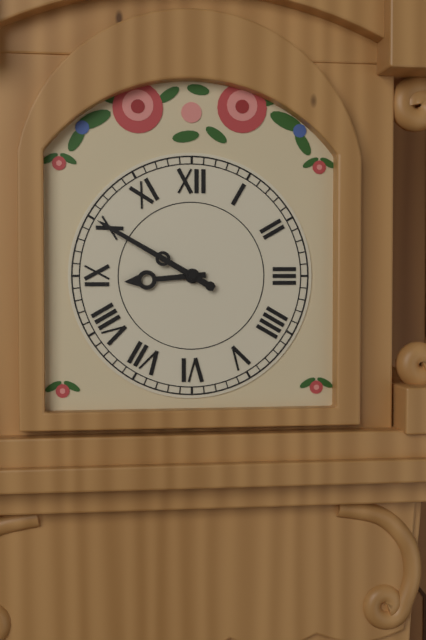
8:50
